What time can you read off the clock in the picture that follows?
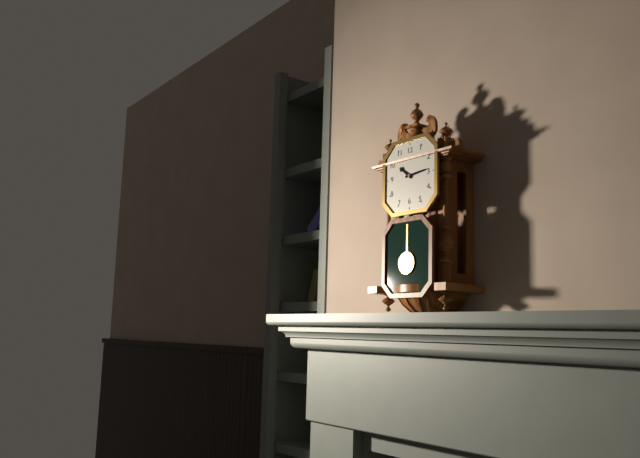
10:14
